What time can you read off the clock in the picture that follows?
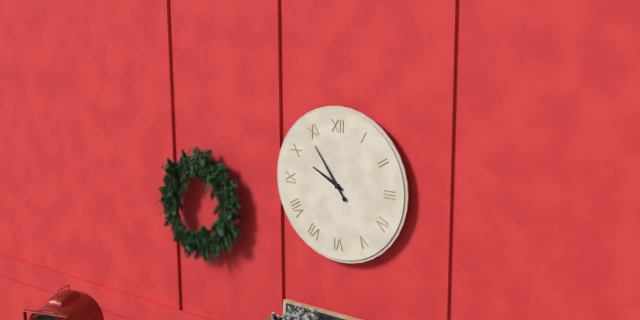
9:54
